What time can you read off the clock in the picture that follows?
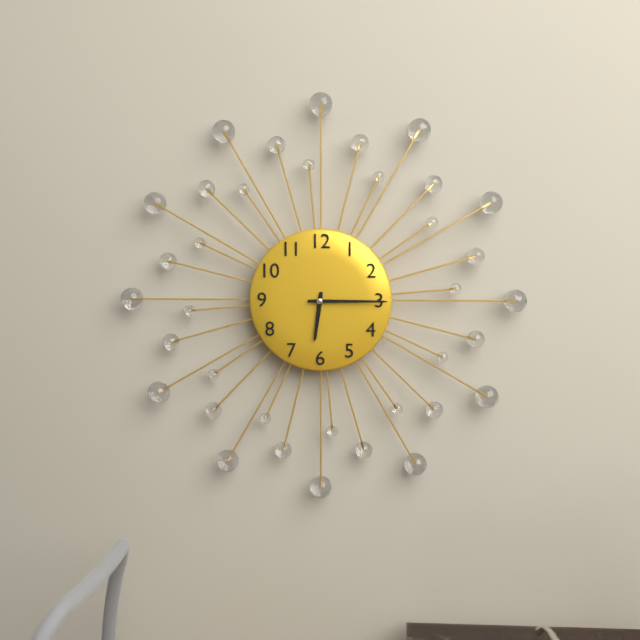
6:15
